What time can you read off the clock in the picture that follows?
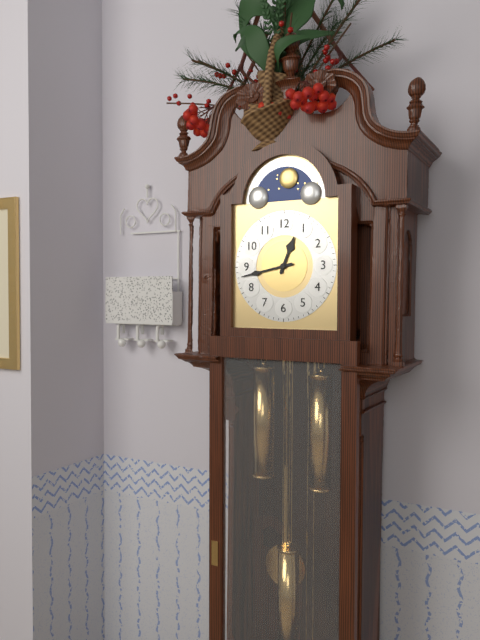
12:43
